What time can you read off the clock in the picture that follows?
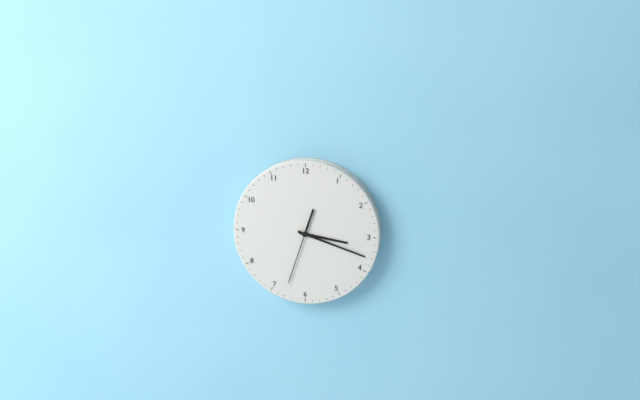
3:18:33
